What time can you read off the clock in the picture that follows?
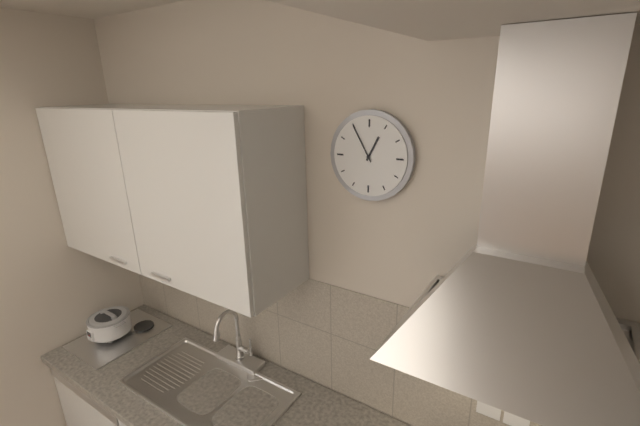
12:55
